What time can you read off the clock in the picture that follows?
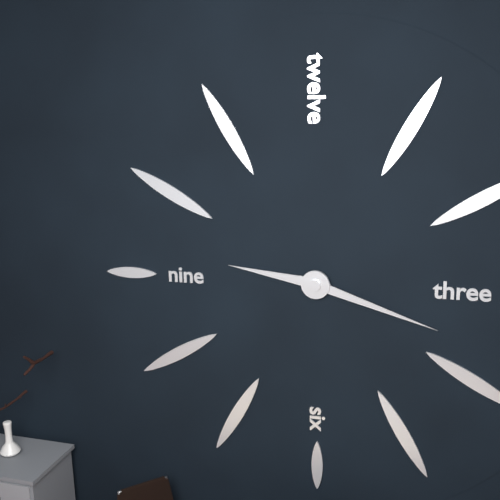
9:18
